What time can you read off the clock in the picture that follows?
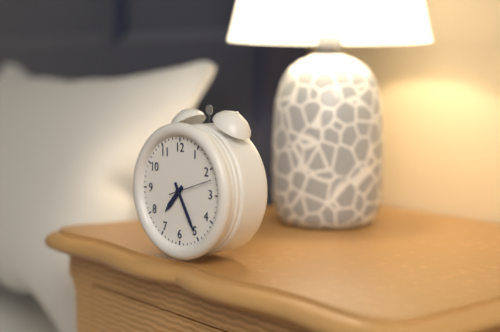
7:25
